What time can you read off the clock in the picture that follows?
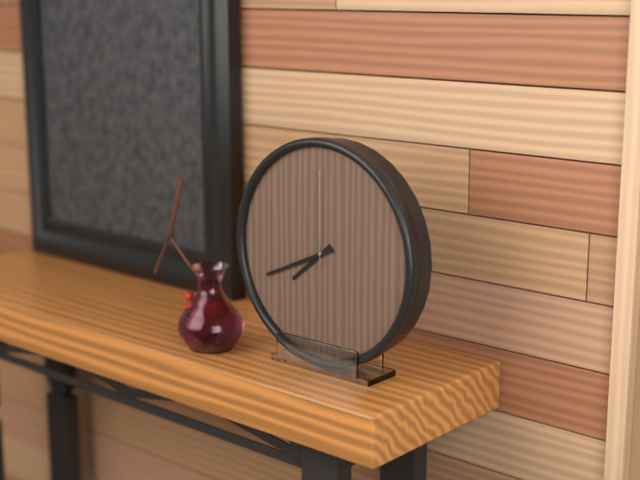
7:41:00
